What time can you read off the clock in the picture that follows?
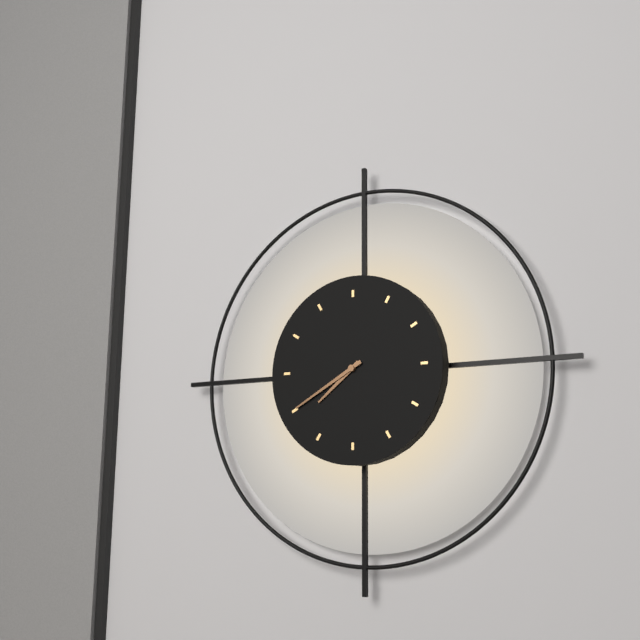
7:40
